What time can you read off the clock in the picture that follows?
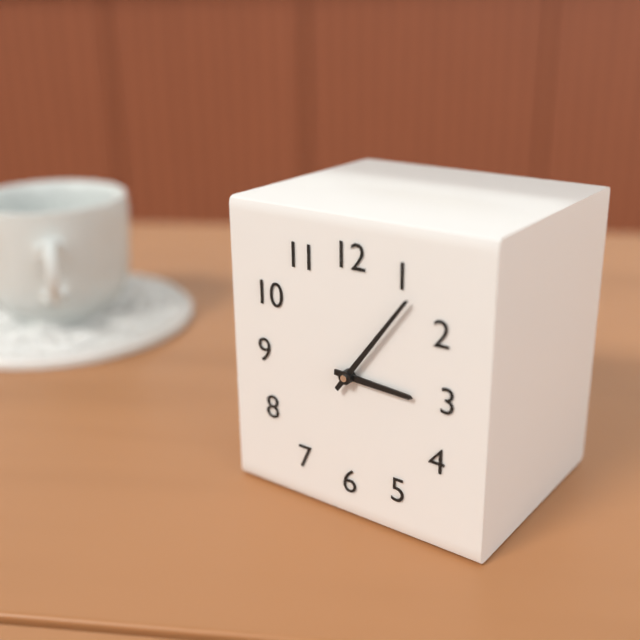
3:06
